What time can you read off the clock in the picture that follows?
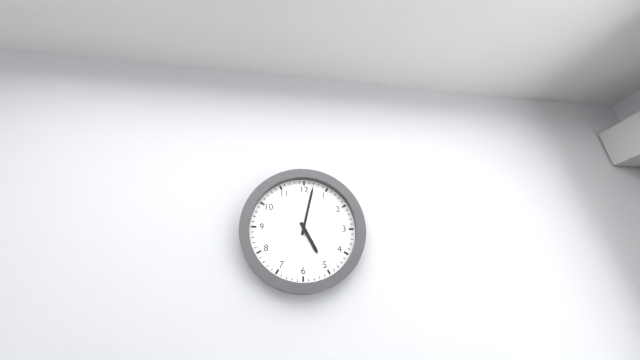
5:02
